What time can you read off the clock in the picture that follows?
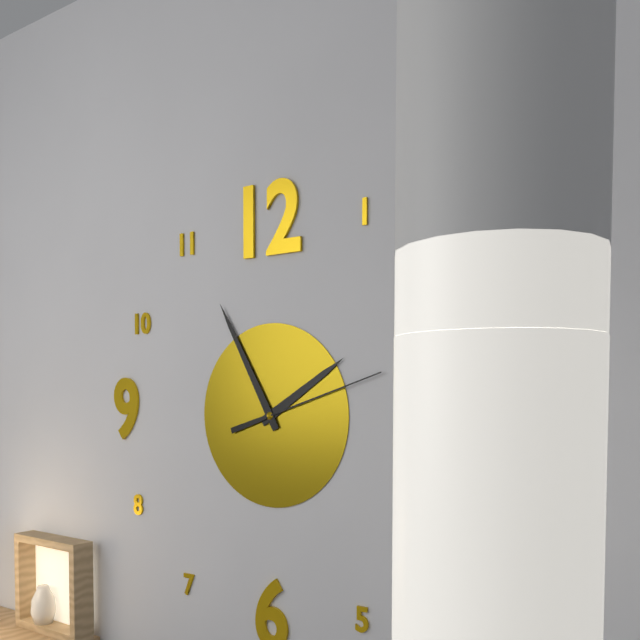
1:55:12
